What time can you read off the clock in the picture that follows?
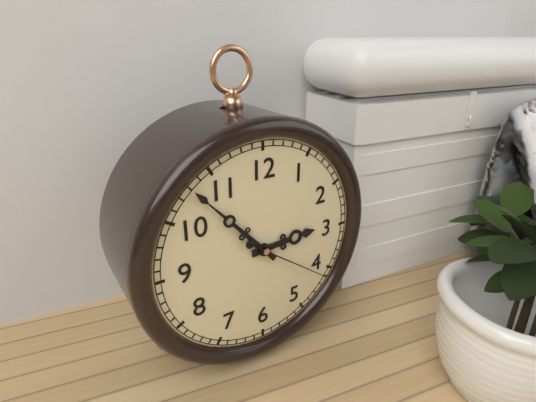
2:53:21
